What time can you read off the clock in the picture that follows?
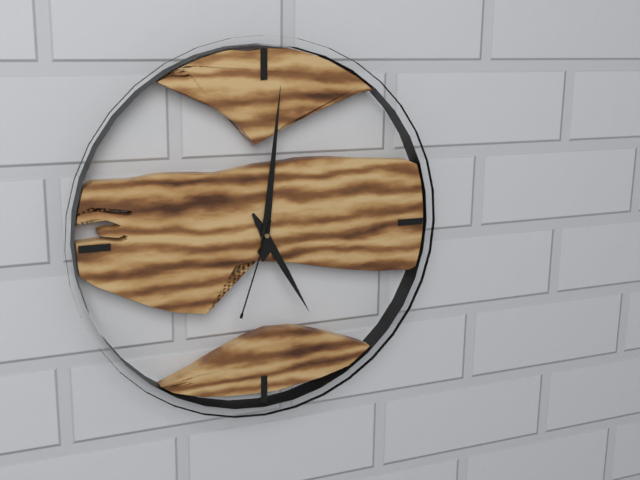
5:01:33
